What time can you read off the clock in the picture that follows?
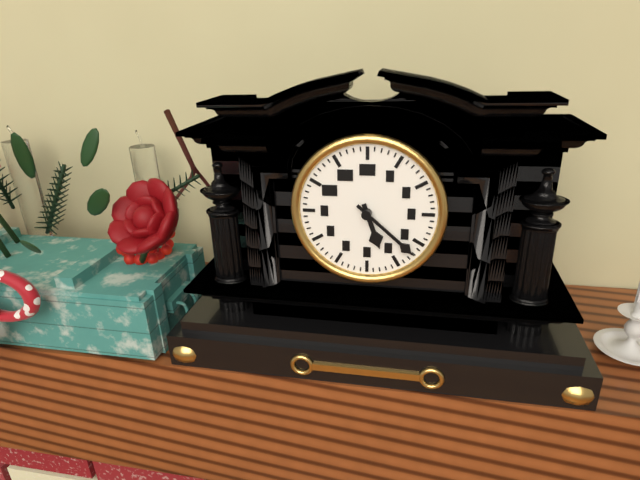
5:22
